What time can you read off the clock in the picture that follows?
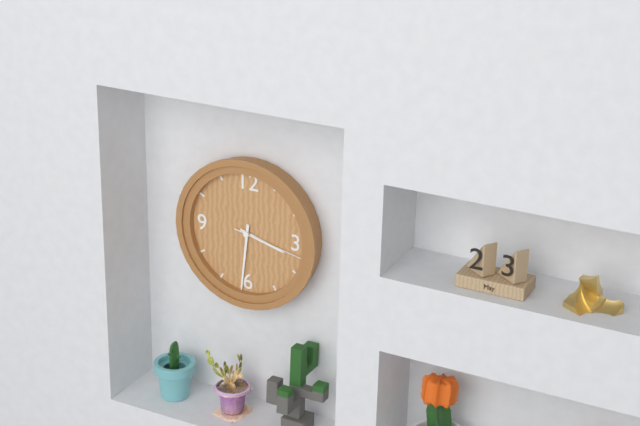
3:31:17
